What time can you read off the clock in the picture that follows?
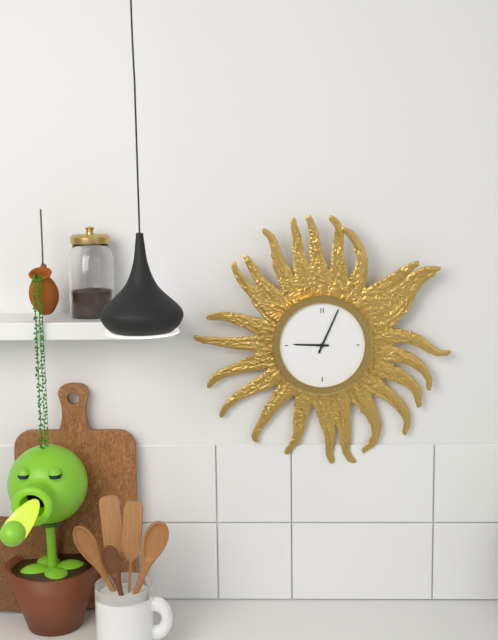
9:04
